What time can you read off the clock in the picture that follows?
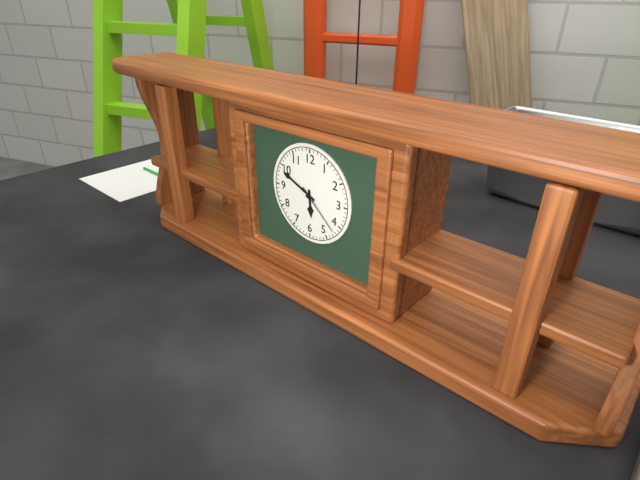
5:49:22
